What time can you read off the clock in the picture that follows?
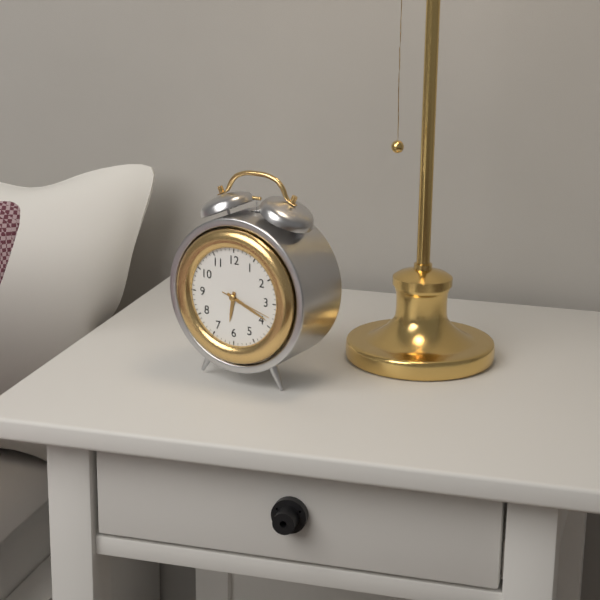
6:19:18
